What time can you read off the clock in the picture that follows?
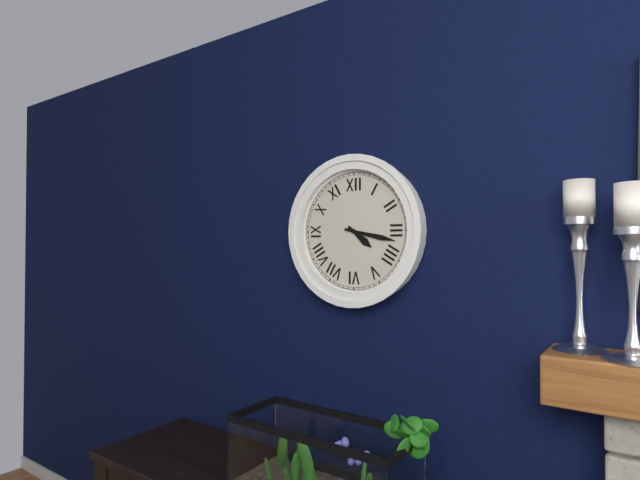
4:17
